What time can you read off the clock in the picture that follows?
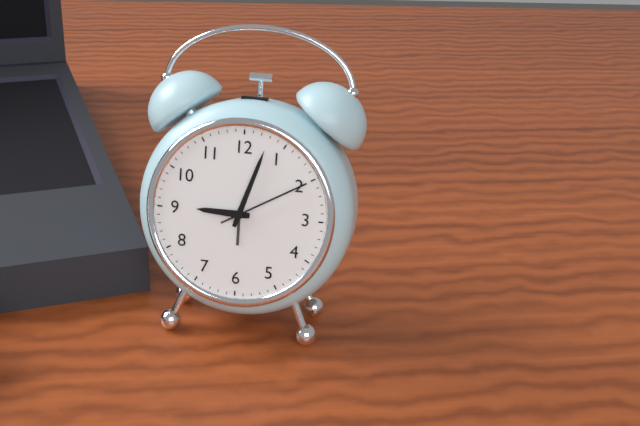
9:03:10
